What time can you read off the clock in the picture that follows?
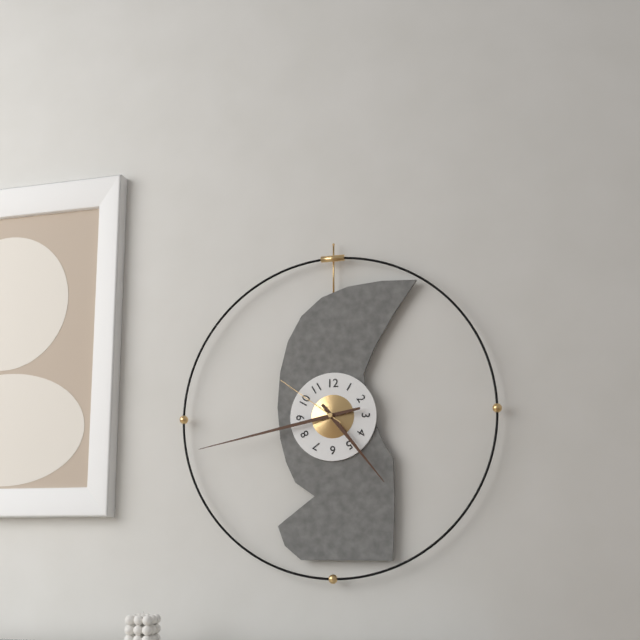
4:43:51
